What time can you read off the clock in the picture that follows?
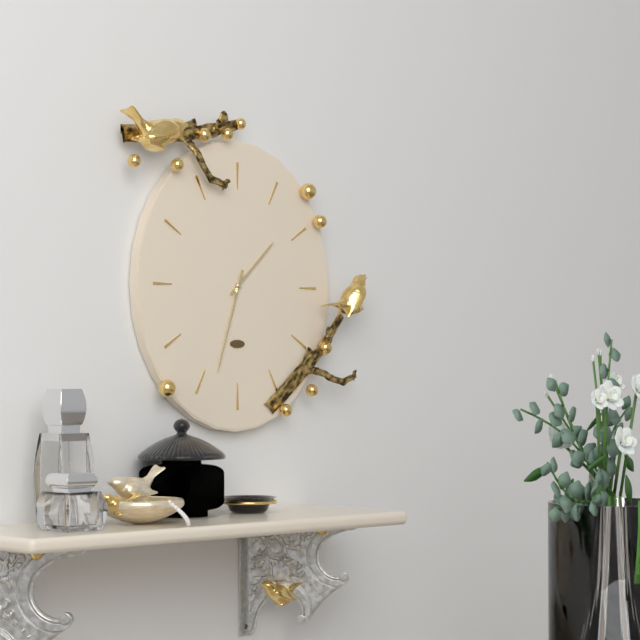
1:33
